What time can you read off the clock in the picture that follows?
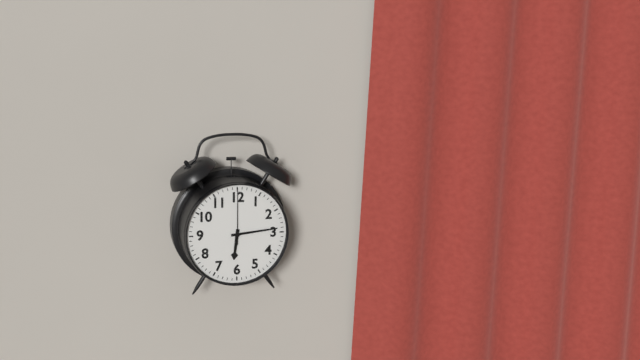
6:14:00
